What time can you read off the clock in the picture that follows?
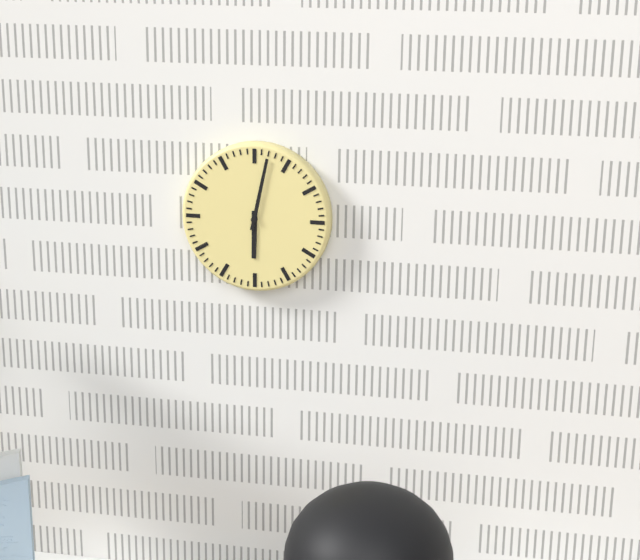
6:02
